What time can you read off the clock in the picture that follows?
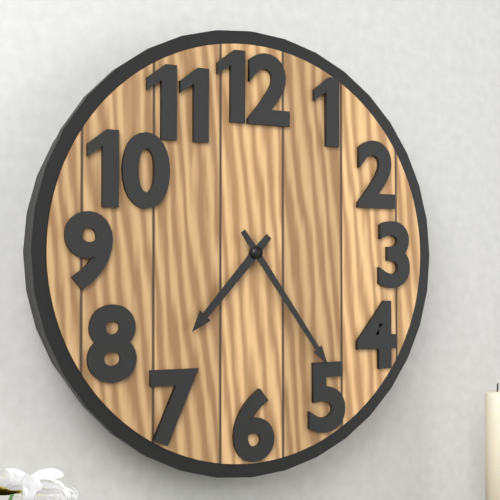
7:24
